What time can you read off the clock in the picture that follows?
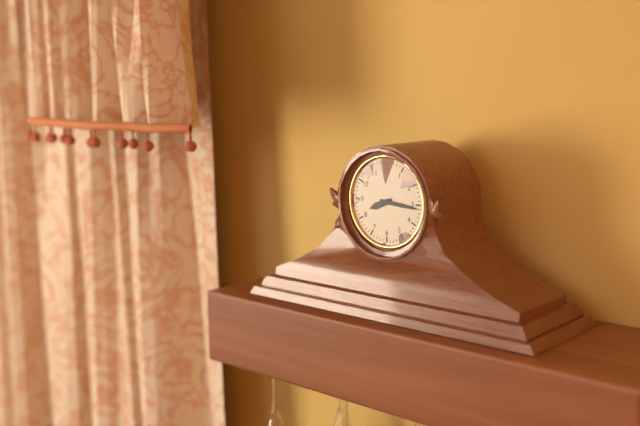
8:16
